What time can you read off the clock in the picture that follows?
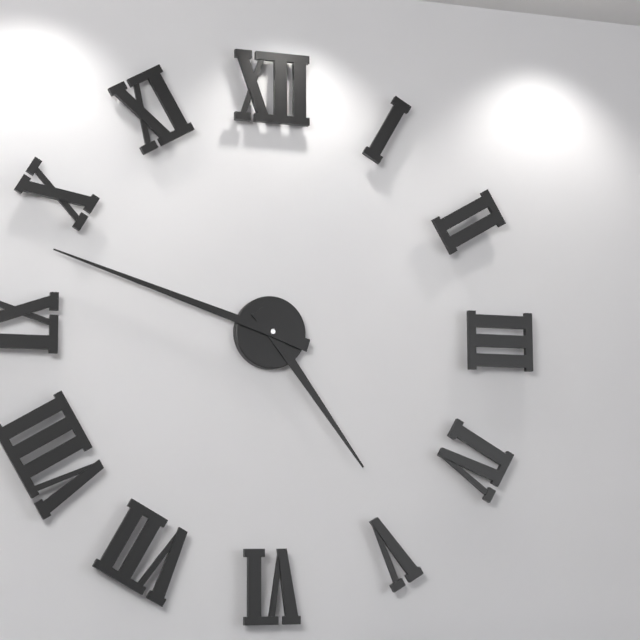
4:48
